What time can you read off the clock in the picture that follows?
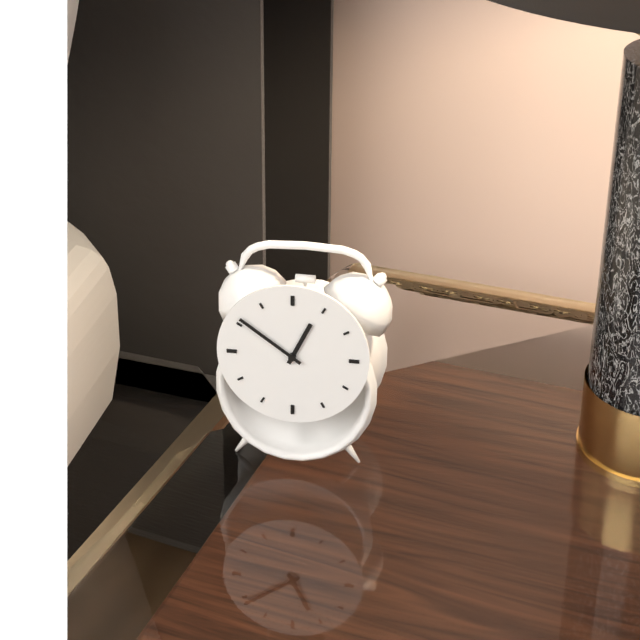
12:51
